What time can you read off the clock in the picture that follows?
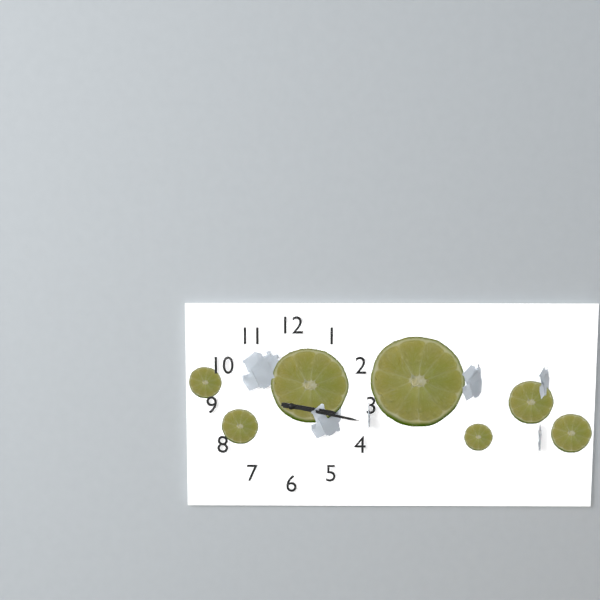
3:17
